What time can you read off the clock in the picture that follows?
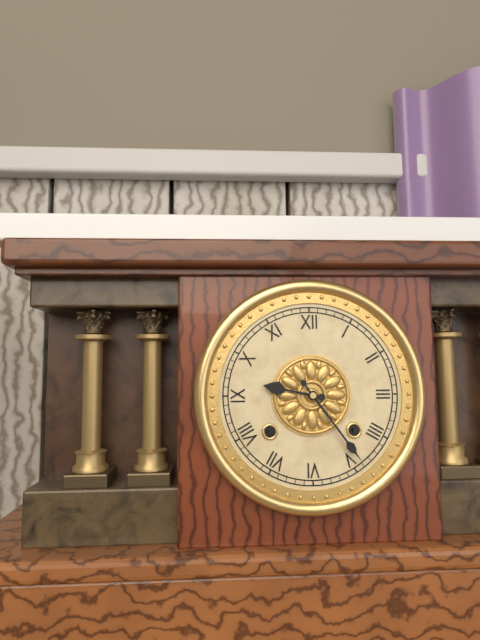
9:24
